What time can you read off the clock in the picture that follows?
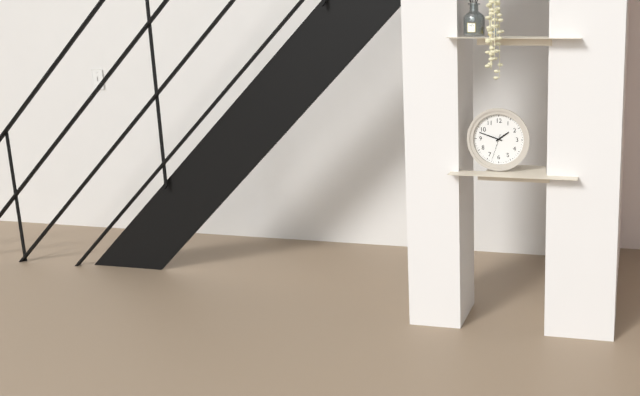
1:48
